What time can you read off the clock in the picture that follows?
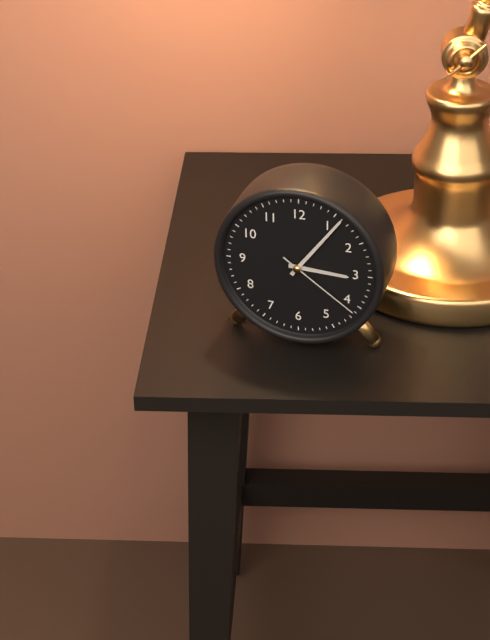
3:06:21
